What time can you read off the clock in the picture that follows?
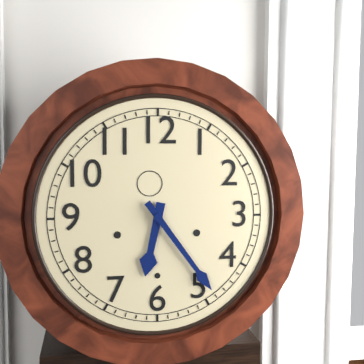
6:24
